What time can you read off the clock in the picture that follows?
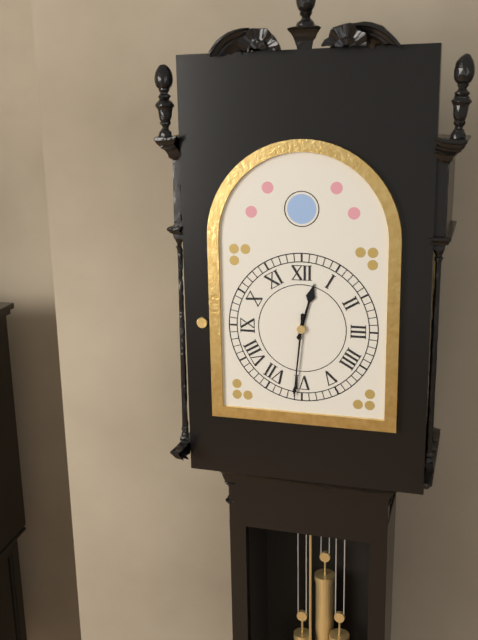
12:31
